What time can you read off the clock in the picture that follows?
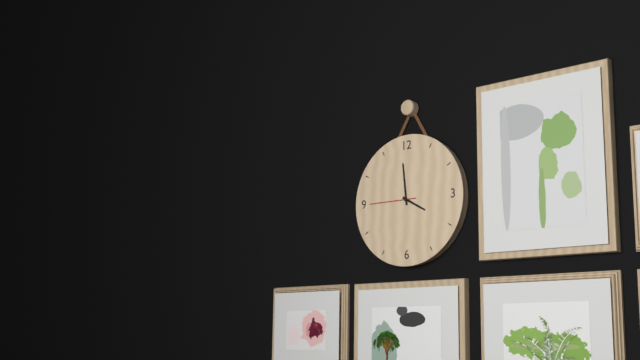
3:59
